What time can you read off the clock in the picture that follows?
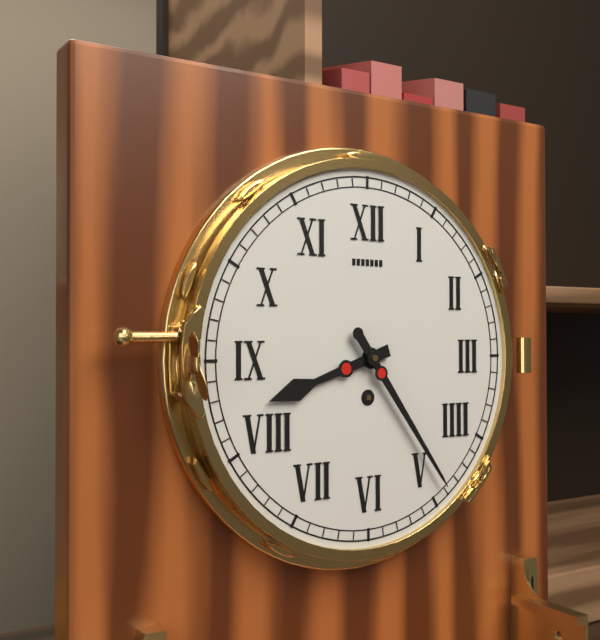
8:24
